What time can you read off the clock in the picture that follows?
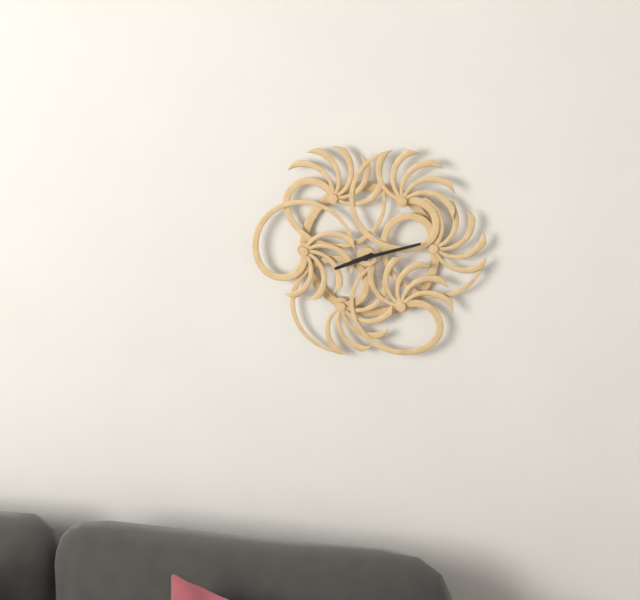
8:12
